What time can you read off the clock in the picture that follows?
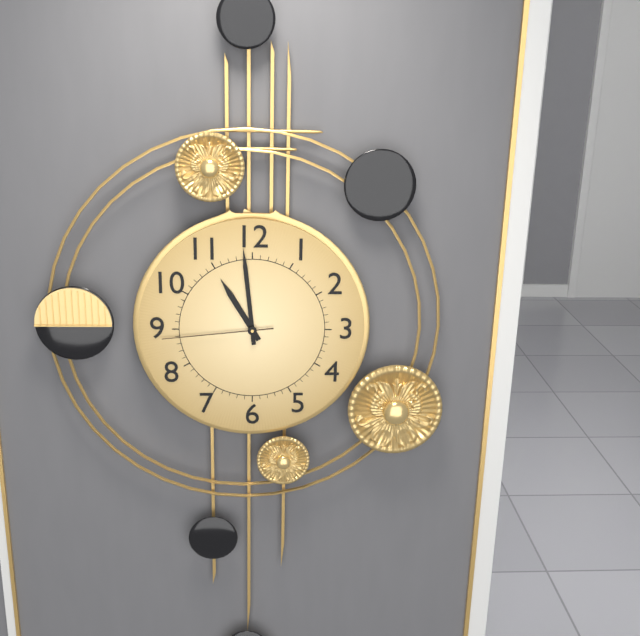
10:59:44
